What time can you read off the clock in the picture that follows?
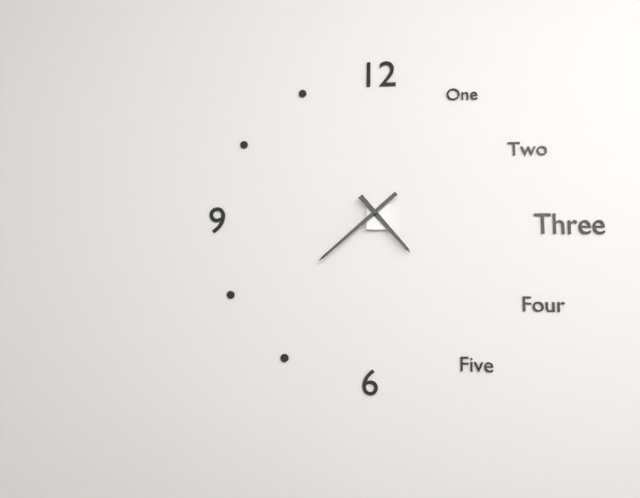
4:38
